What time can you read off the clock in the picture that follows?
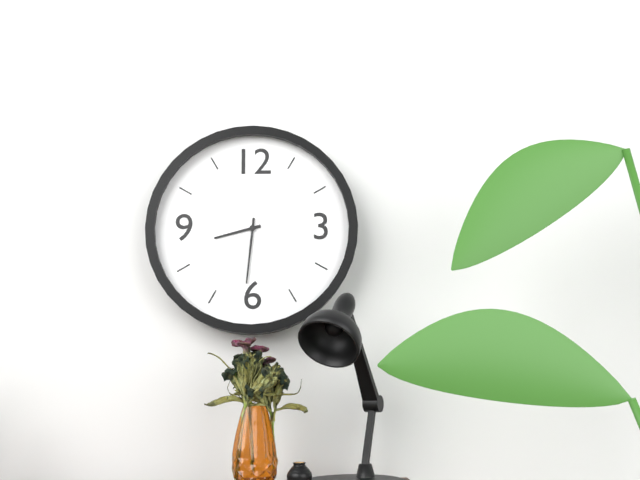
8:31
